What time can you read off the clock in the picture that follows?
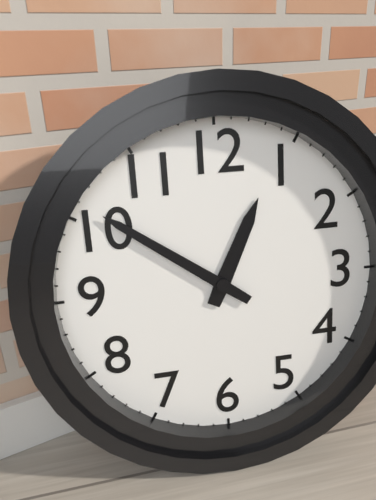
12:51
